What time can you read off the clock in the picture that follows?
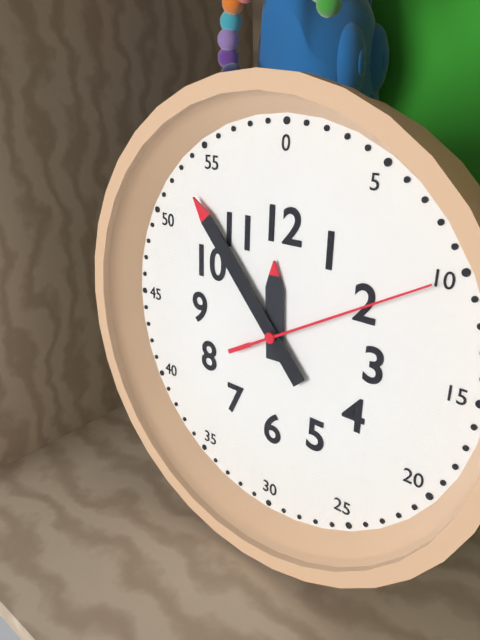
11:53:10
